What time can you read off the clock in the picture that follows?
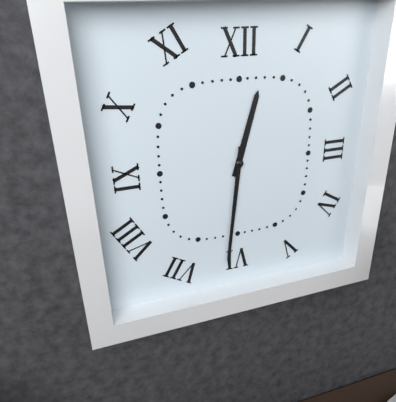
12:31
